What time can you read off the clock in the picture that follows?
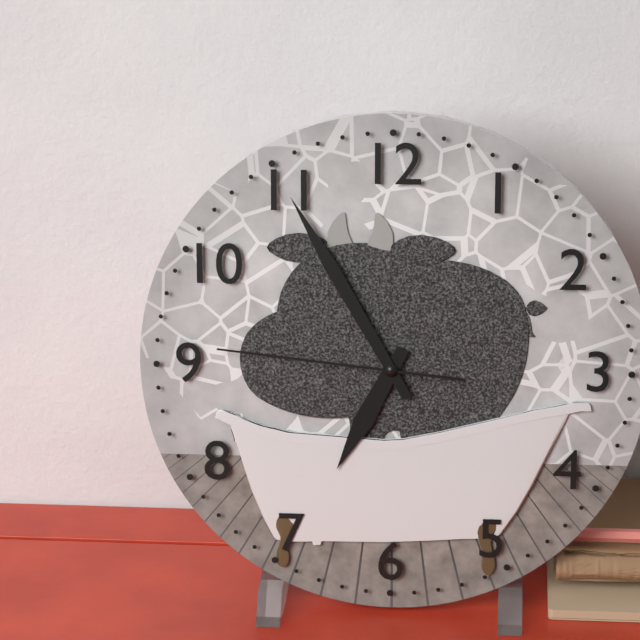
6:55:46
